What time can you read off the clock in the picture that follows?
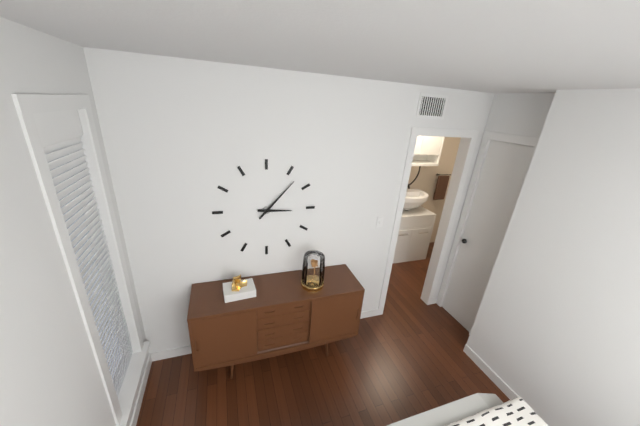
3:07
